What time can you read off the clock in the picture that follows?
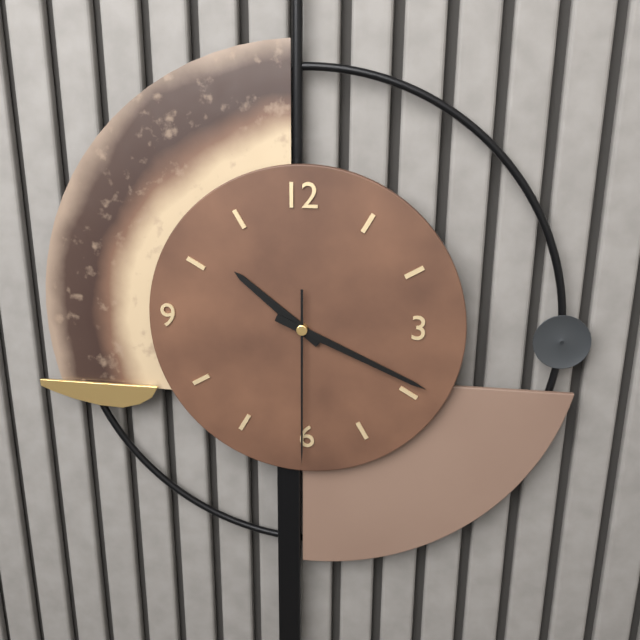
10:19:30
